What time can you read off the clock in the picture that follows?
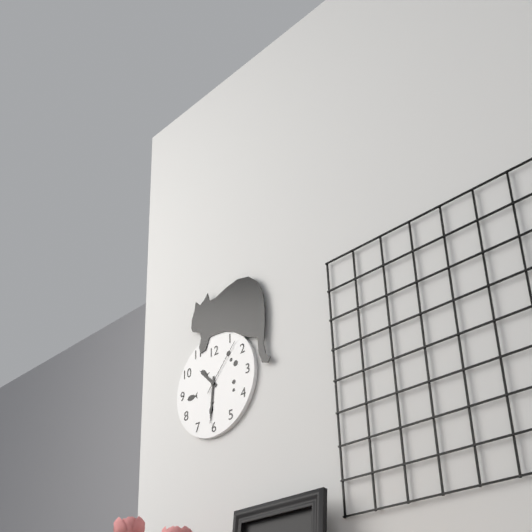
10:31:07
